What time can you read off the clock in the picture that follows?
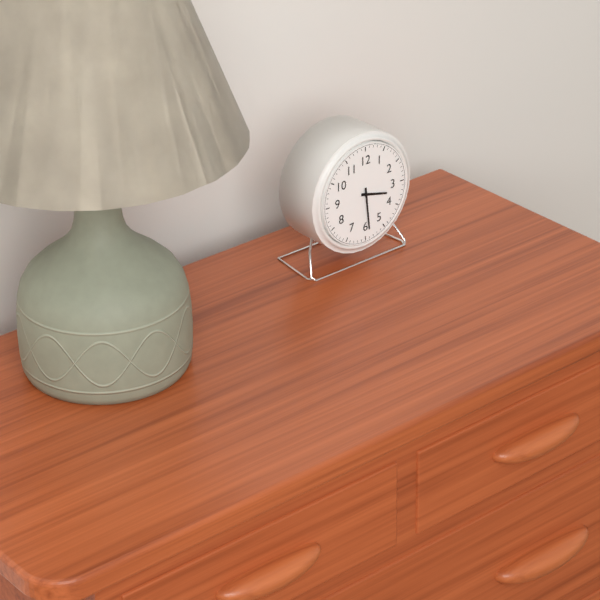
3:29
